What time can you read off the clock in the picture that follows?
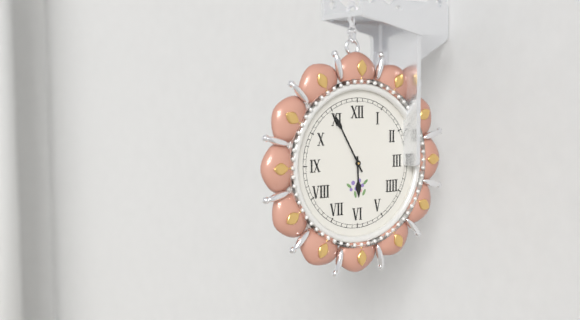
5:55
